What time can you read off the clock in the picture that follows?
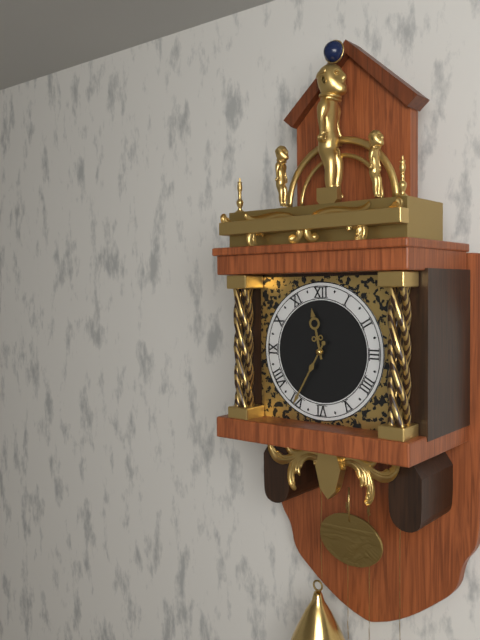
11:35
